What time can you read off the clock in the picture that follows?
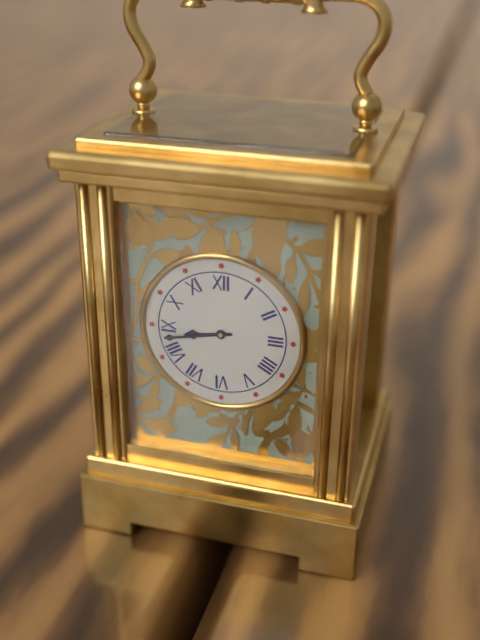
8:43
